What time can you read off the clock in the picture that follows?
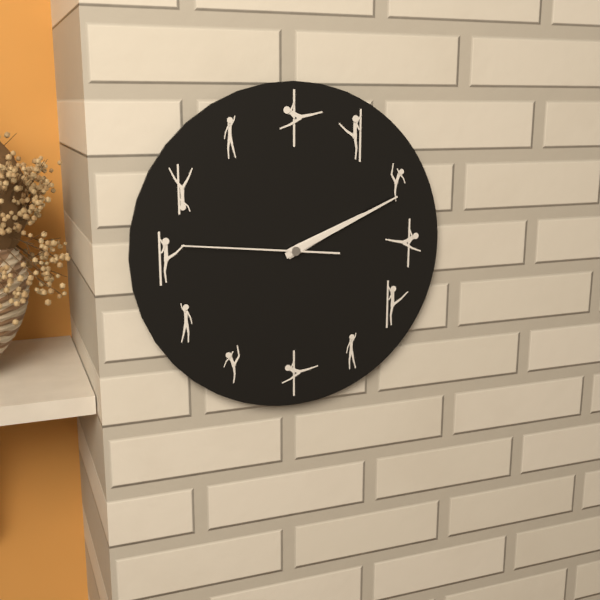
2:11:46
